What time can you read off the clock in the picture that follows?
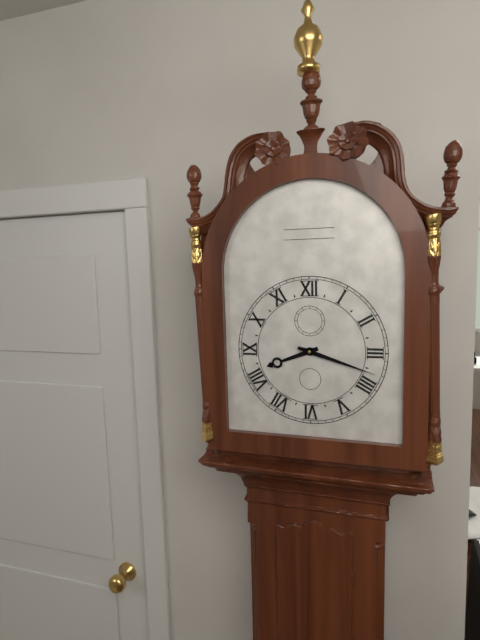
8:18
